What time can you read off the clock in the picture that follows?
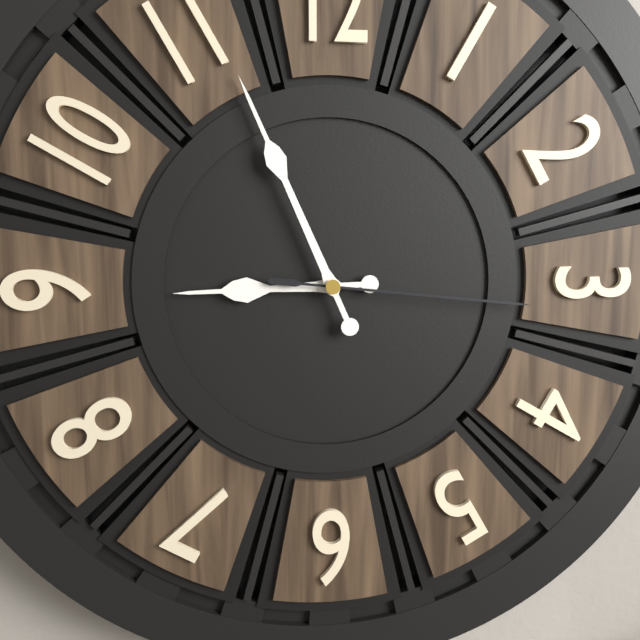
8:56:16
